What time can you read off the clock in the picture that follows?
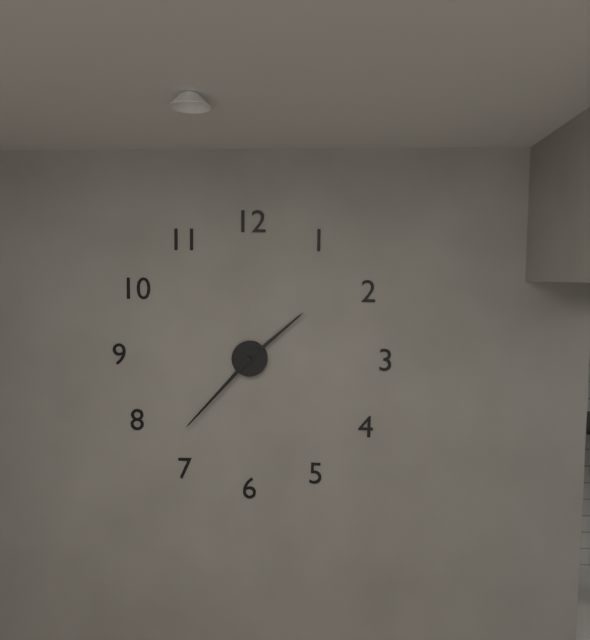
1:37
